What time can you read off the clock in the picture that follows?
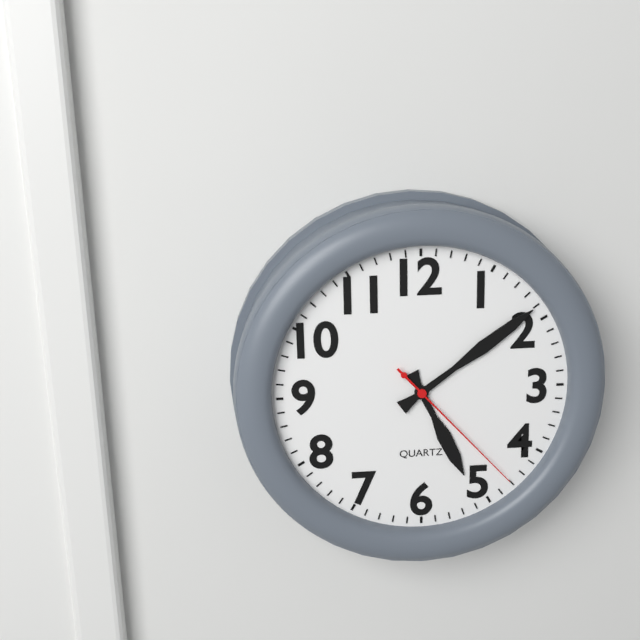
5:09:23
